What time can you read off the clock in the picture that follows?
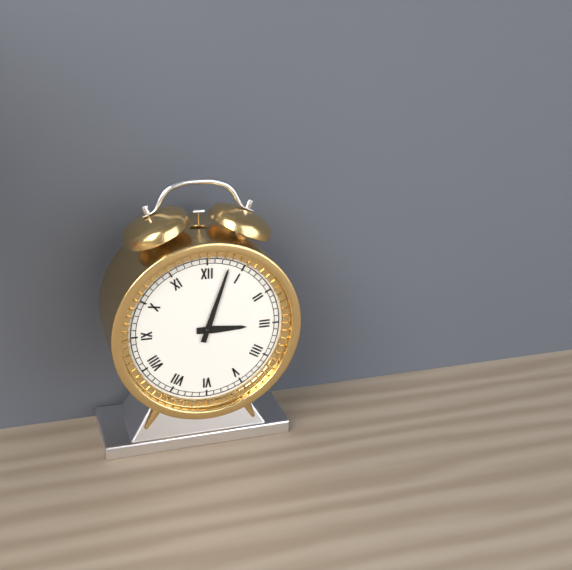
3:03
